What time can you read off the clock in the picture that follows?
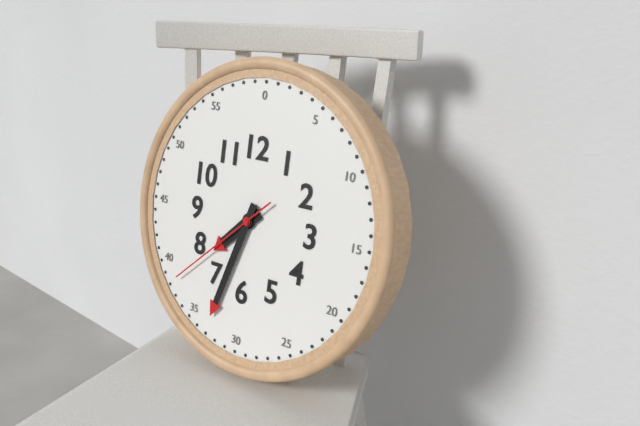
7:33:38
